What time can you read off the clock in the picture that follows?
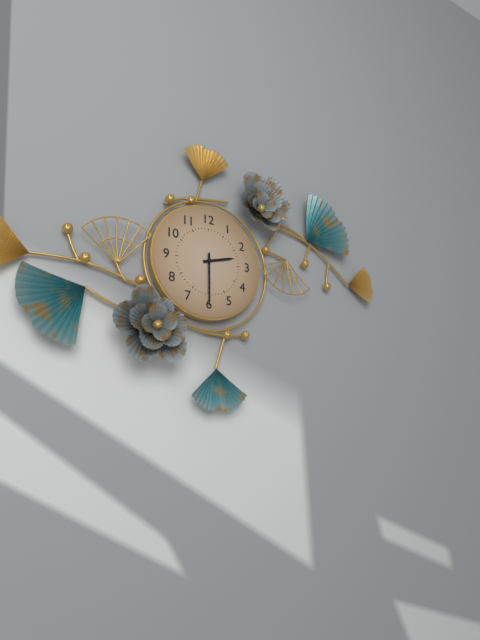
2:30
